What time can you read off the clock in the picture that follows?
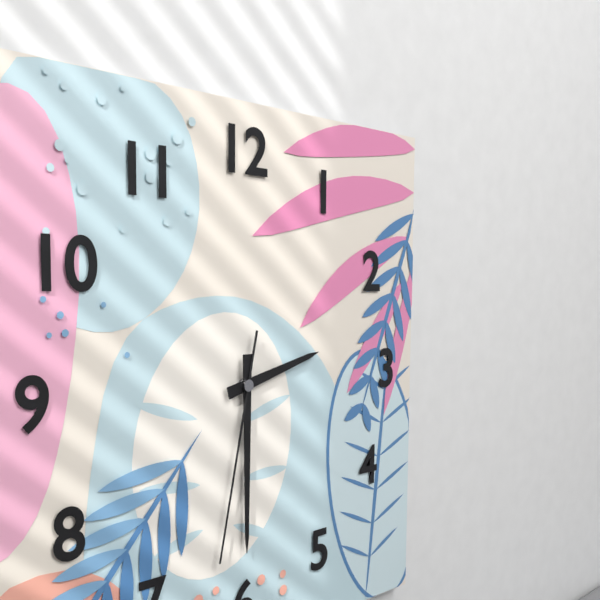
2:30:32
